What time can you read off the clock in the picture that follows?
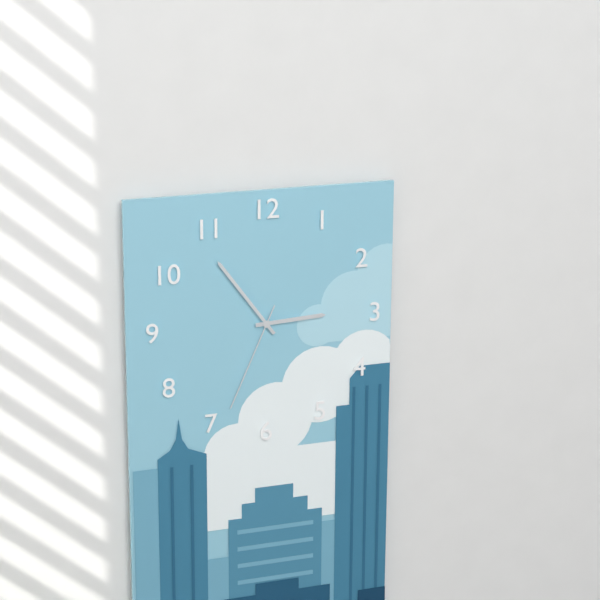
2:54:34
